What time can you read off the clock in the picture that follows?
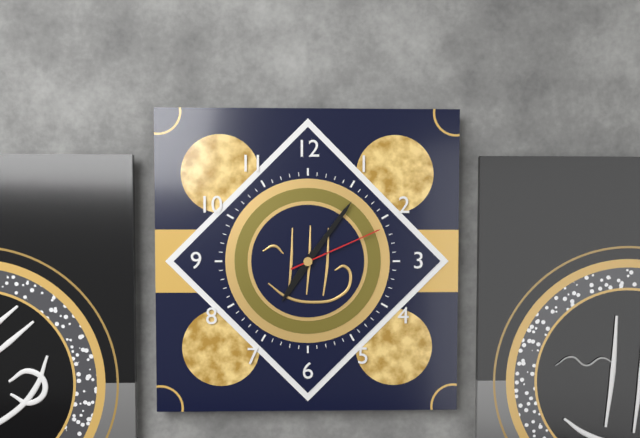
7:06:11
